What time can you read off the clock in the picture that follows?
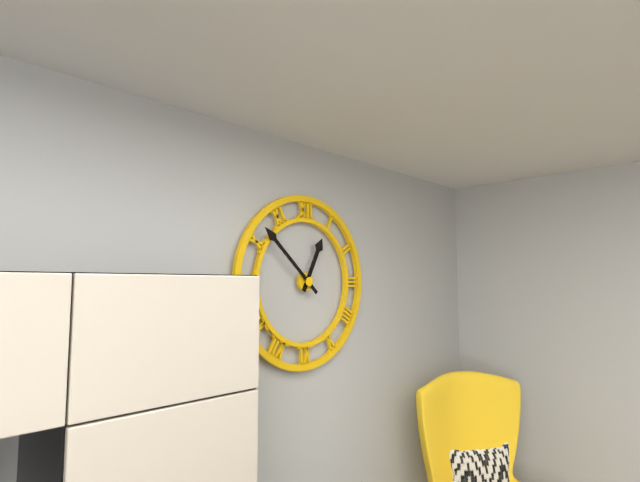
12:52
